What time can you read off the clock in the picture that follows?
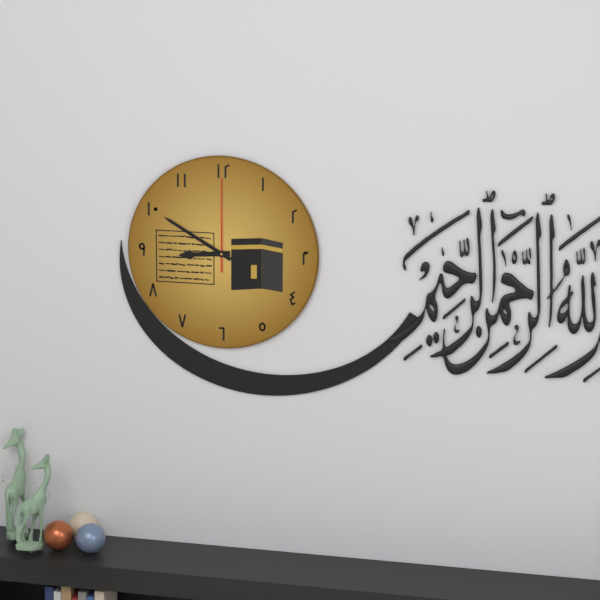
8:50:00
